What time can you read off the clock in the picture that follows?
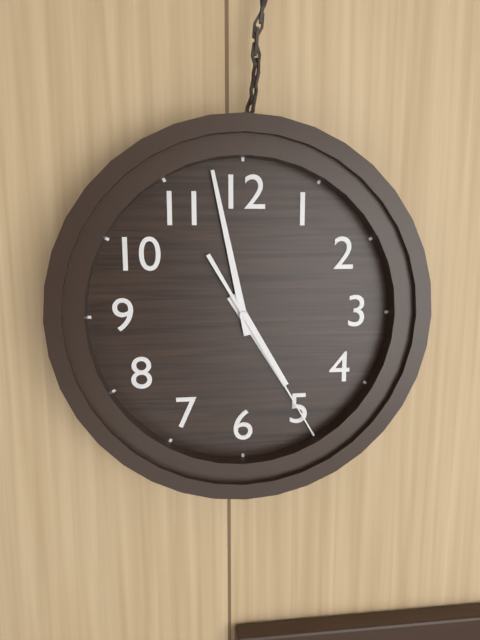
4:58:25
